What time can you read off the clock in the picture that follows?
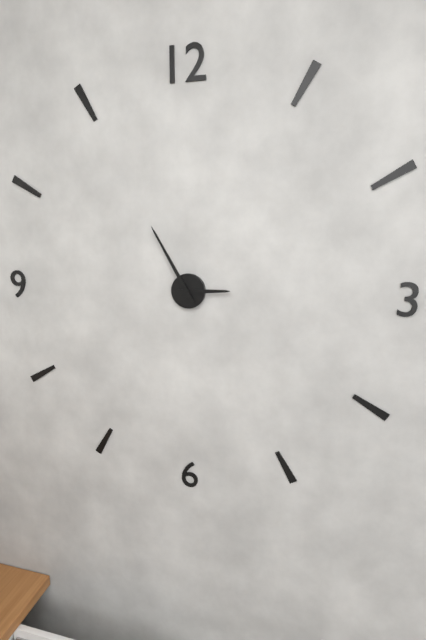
2:55
